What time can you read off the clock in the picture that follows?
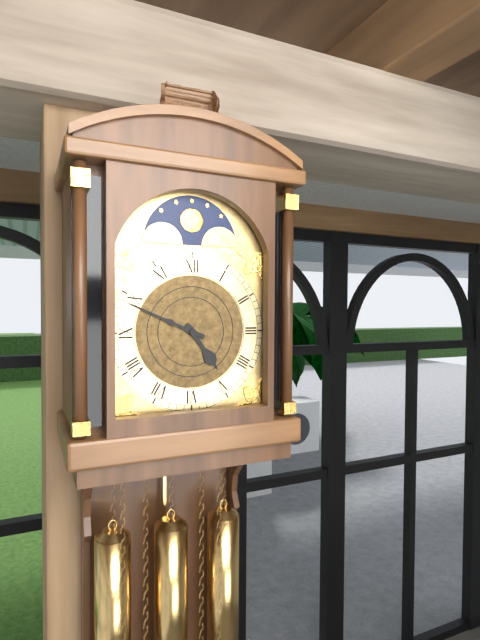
4:49
